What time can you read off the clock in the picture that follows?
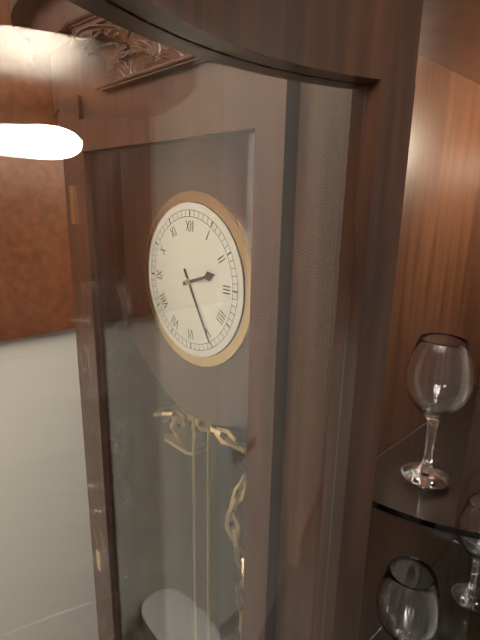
2:25
